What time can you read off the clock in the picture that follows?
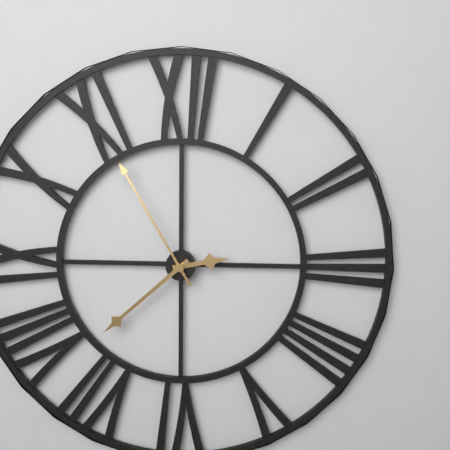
2:38:55
